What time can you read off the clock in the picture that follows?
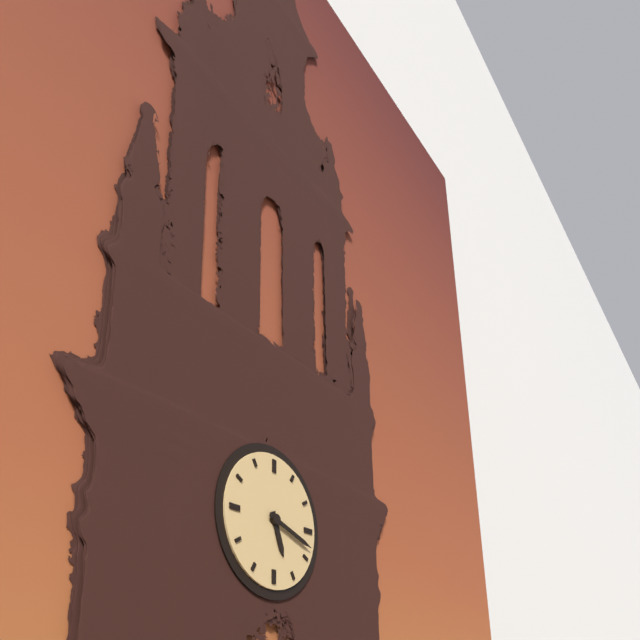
5:18
